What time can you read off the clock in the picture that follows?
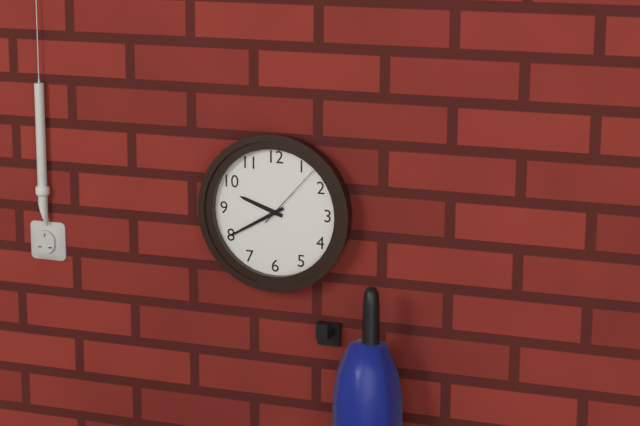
9:40:07
